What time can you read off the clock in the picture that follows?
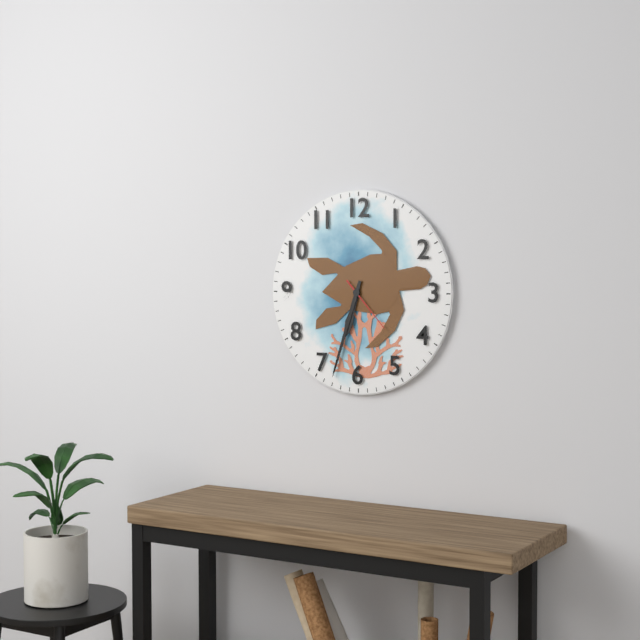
6:33:23
